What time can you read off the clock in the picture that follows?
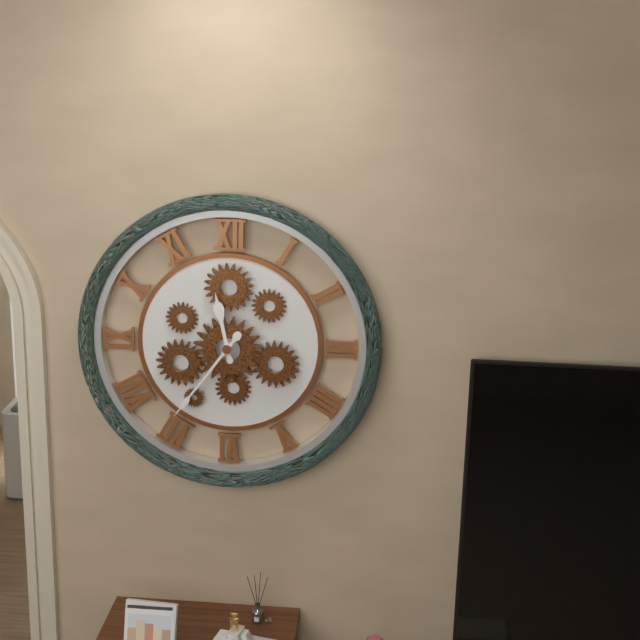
11:36
